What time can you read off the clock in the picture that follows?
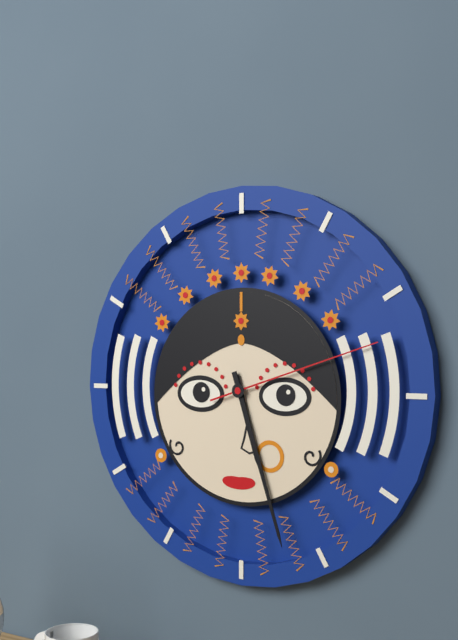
5:27:12
